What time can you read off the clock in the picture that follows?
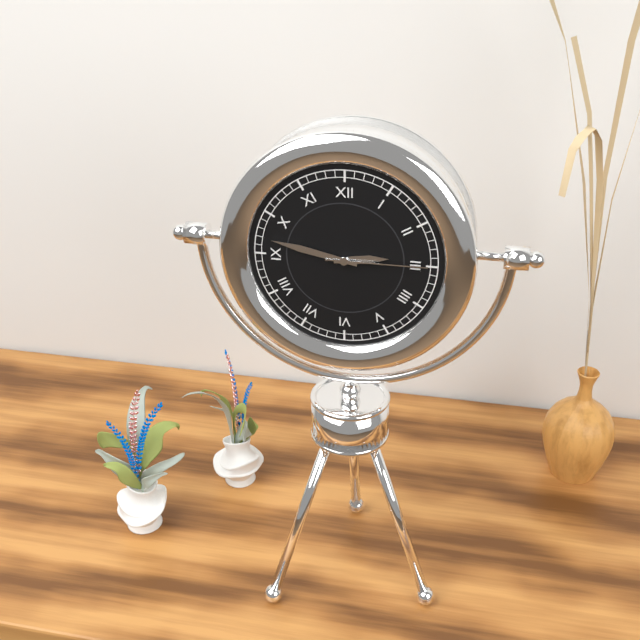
2:47:15
